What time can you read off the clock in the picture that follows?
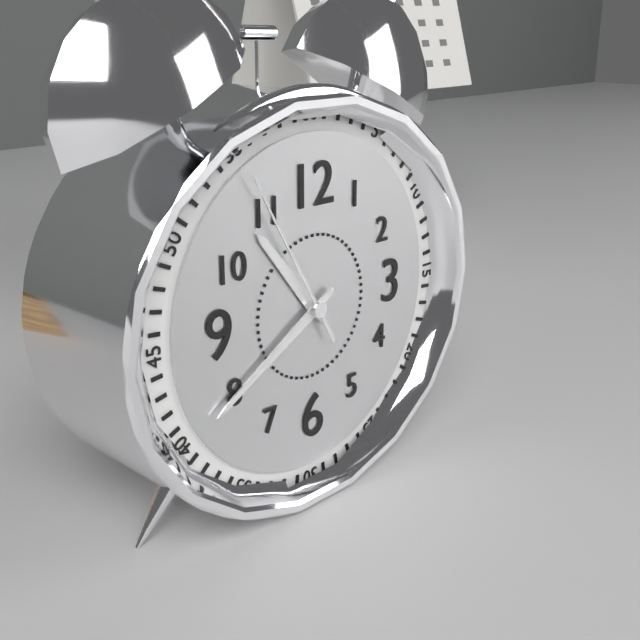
10:40:55
